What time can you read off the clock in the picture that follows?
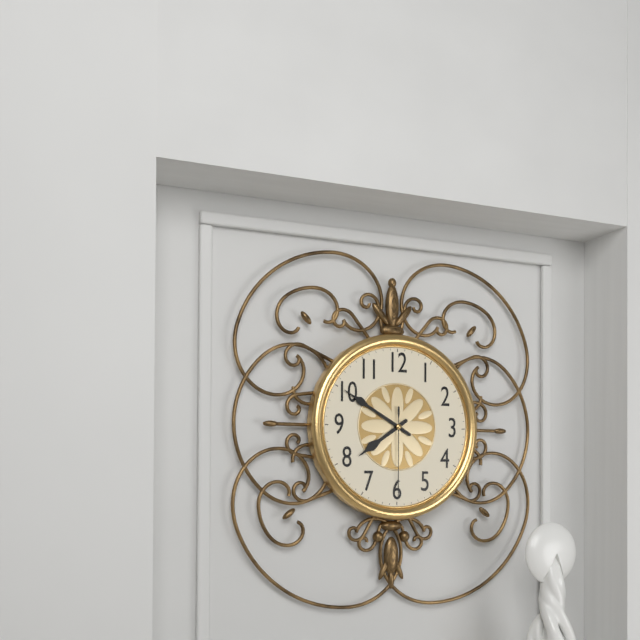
7:50:30
